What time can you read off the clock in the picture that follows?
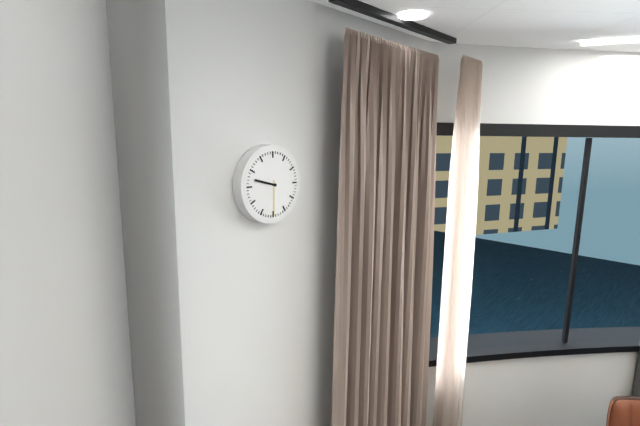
9:30
